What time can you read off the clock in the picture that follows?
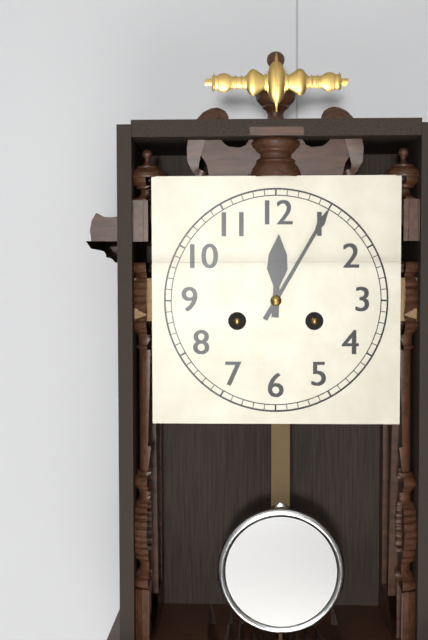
12:05
